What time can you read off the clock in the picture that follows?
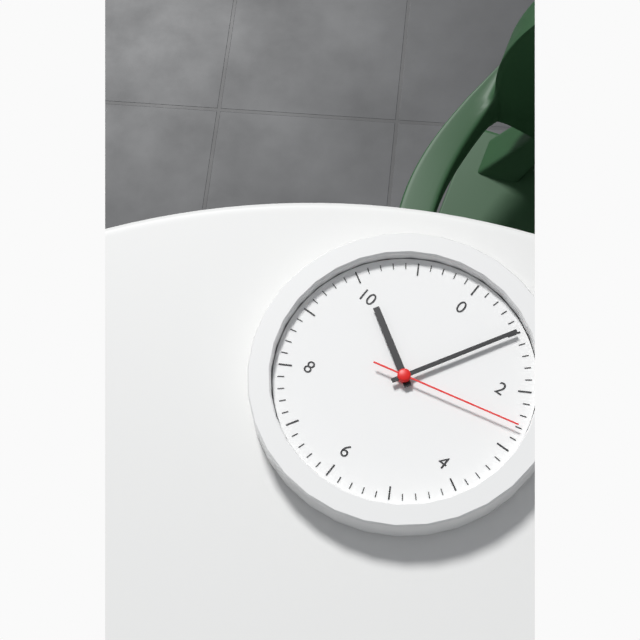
10:05:13
